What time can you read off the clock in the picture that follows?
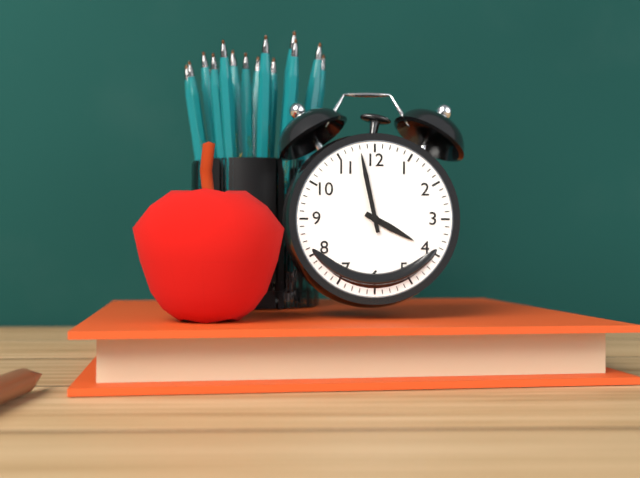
3:58
